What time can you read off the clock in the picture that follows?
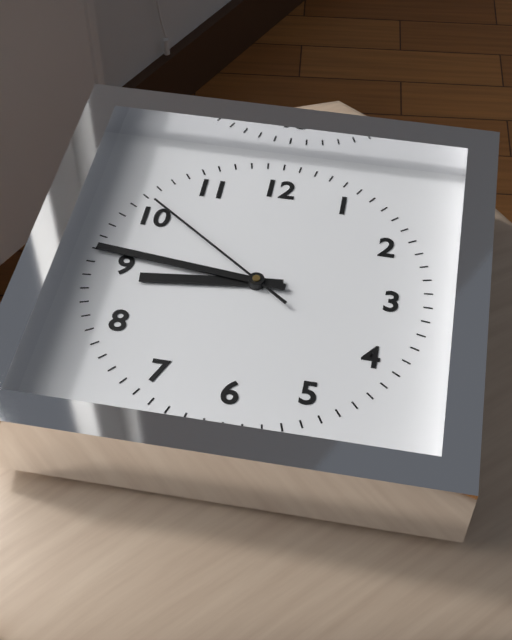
8:46:51
